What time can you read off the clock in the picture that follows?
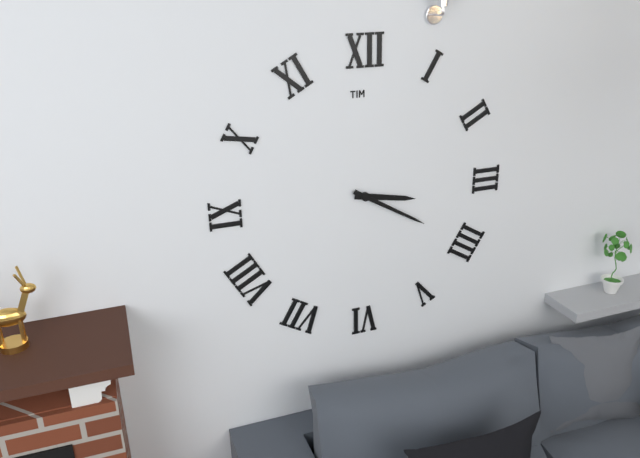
3:20
